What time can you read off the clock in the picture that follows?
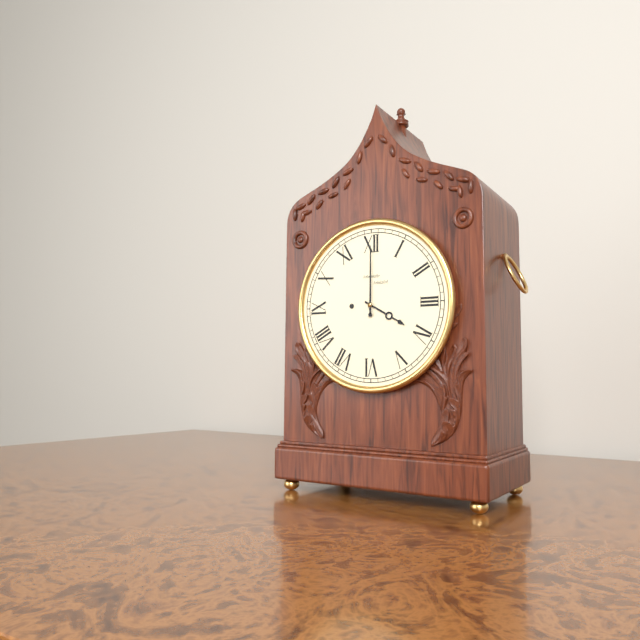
4:00
